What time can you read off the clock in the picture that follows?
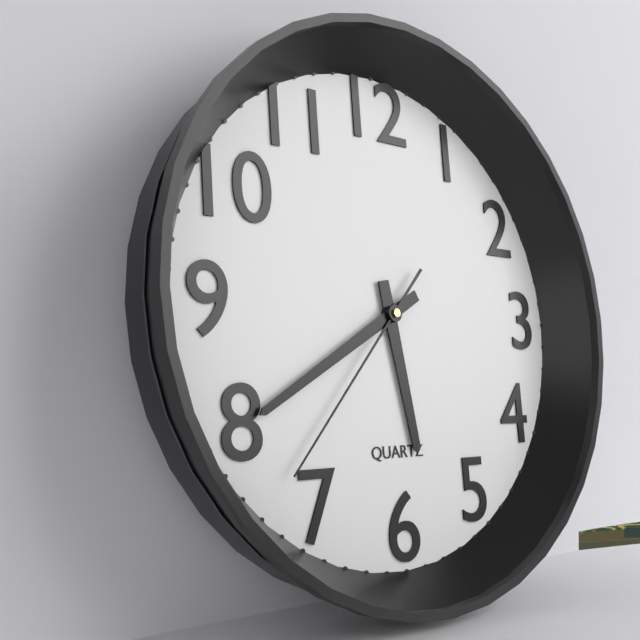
5:40:37
